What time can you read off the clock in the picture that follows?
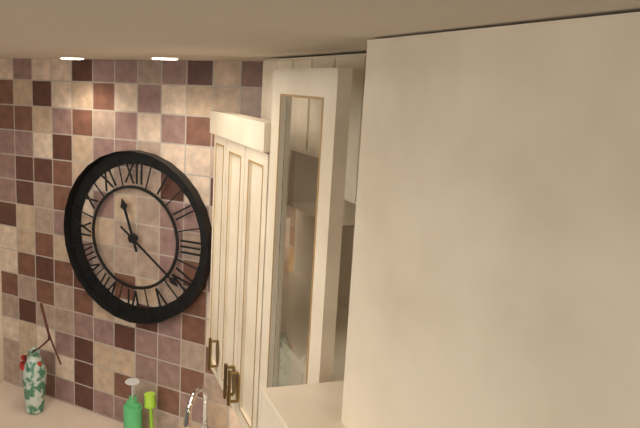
11:21
